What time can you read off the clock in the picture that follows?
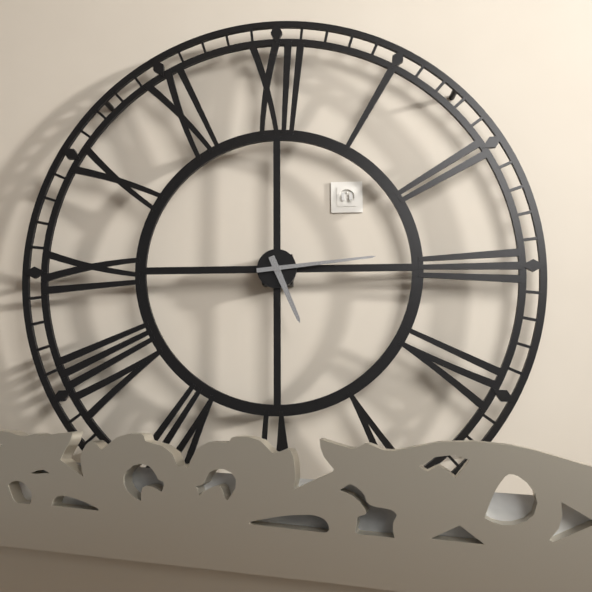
5:14
